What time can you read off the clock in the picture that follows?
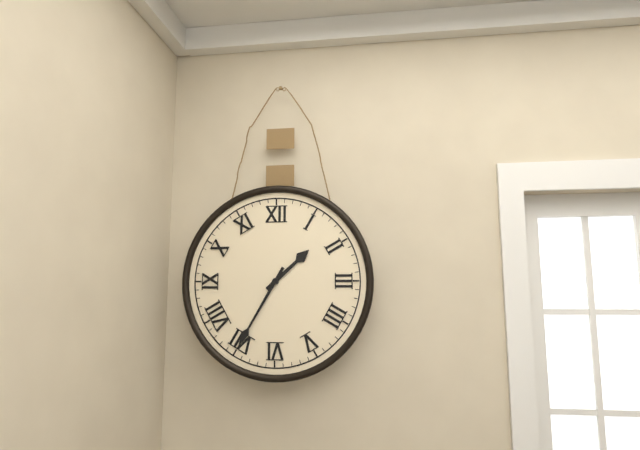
1:35
